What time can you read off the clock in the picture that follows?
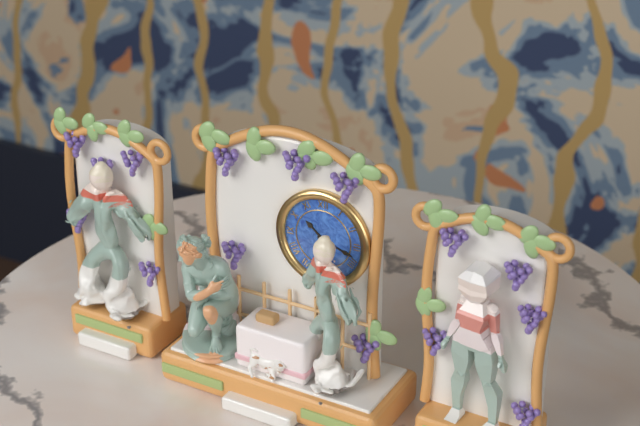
10:18
